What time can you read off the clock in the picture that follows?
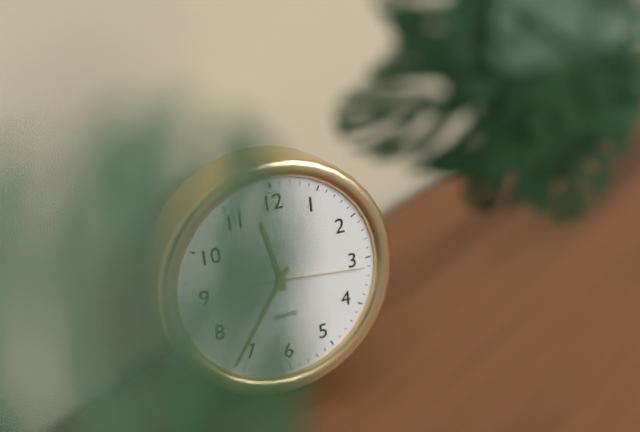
11:36:16
